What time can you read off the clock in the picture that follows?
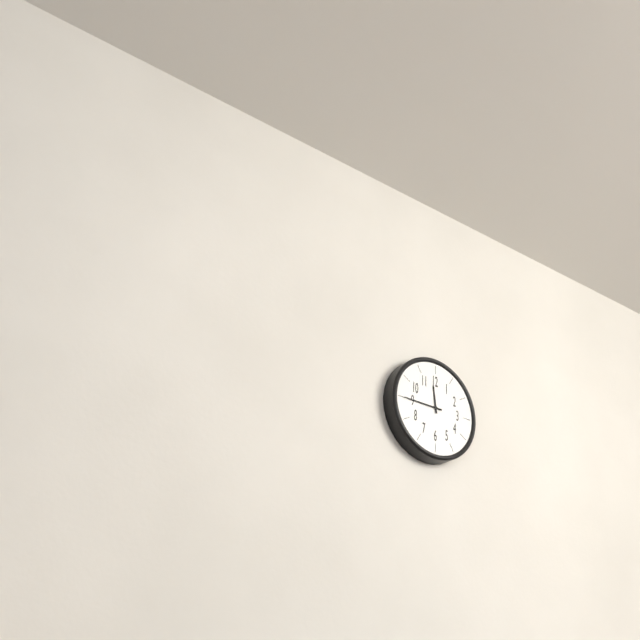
11:45
